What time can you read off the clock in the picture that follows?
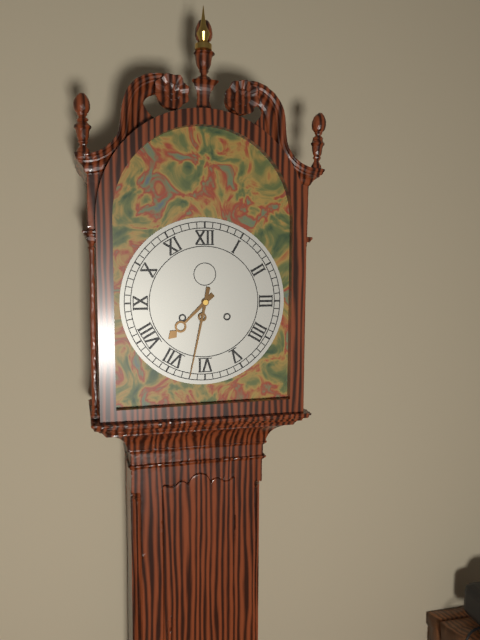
7:32
